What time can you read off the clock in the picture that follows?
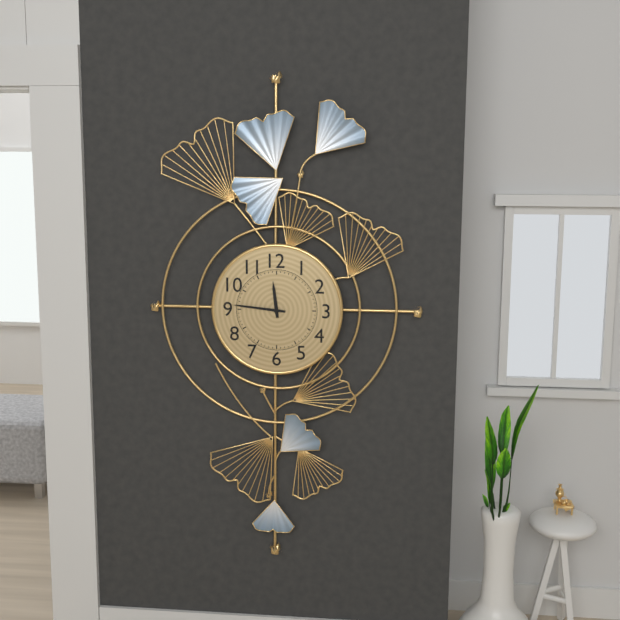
11:46
